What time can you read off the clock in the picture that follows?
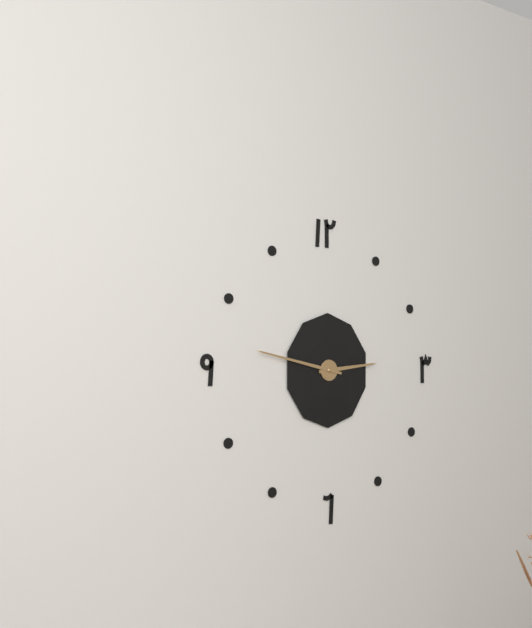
2:47
